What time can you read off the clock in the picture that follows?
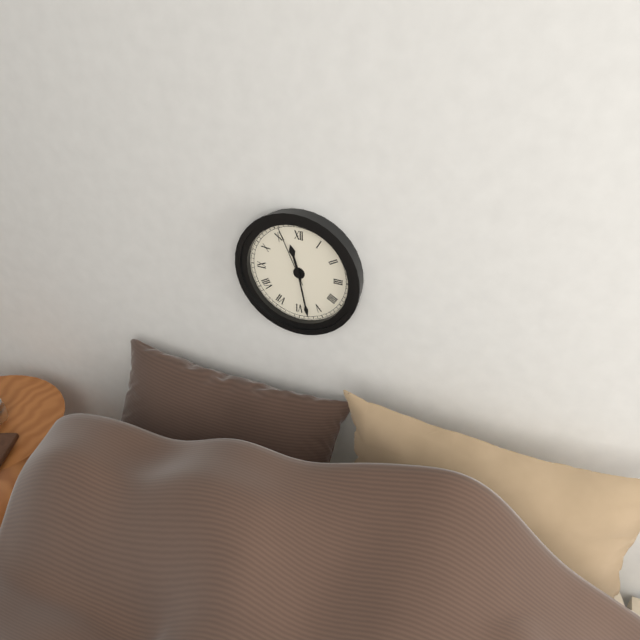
11:28:56
